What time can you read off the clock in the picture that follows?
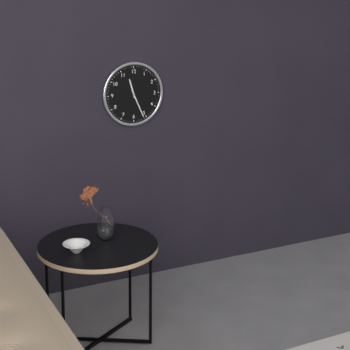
11:26
